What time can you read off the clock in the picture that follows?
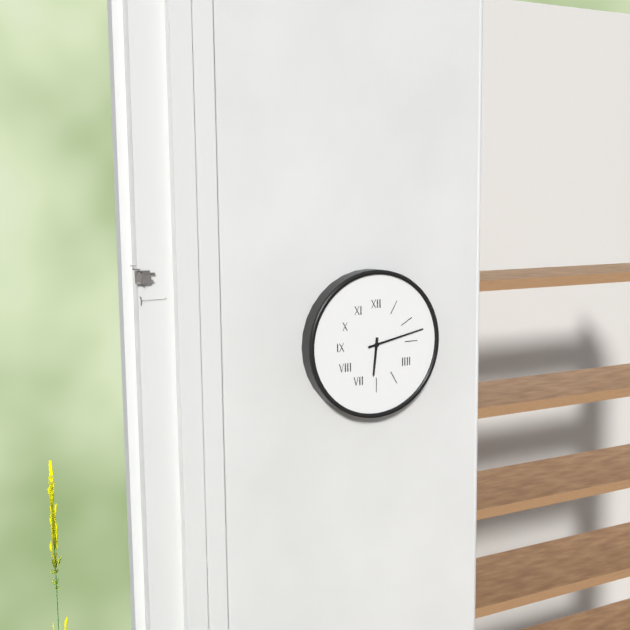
6:13
